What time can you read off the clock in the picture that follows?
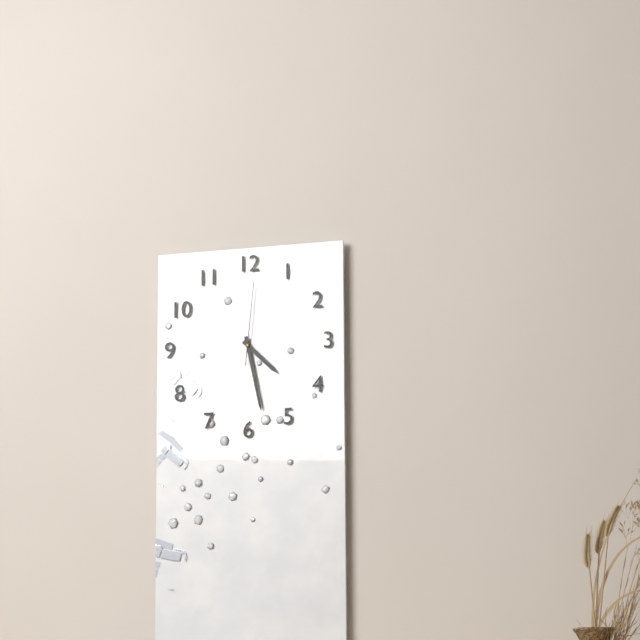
4:28:01
